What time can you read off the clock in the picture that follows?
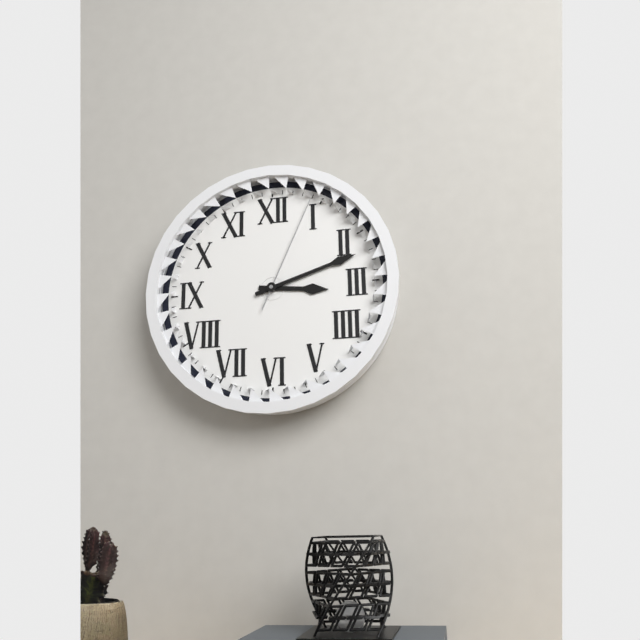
3:12:04
